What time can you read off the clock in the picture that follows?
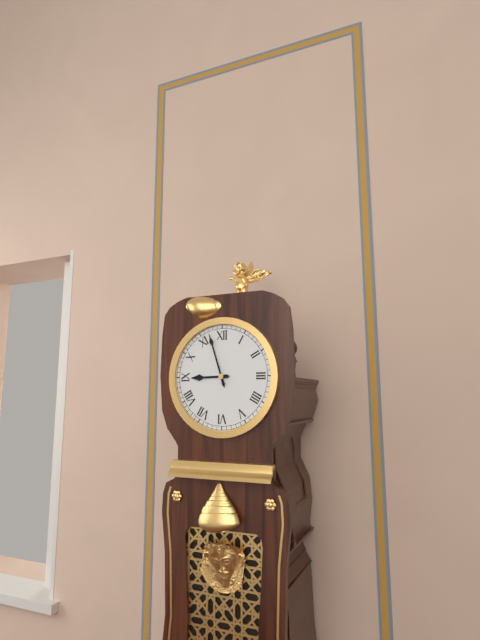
8:57
